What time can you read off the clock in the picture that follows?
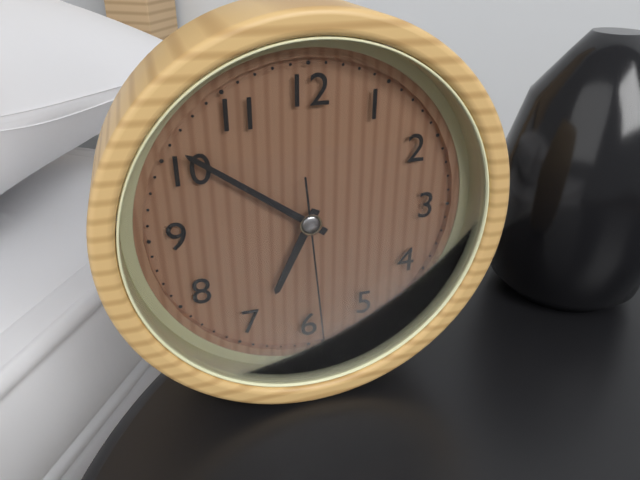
6:51:29
